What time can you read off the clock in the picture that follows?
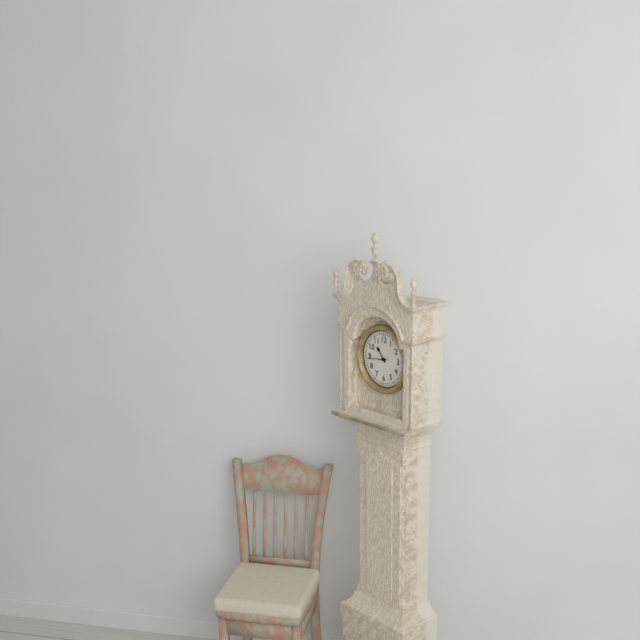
10:44
